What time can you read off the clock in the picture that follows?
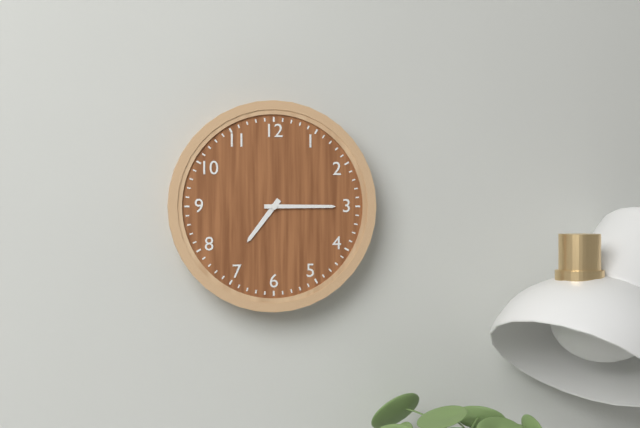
7:15
